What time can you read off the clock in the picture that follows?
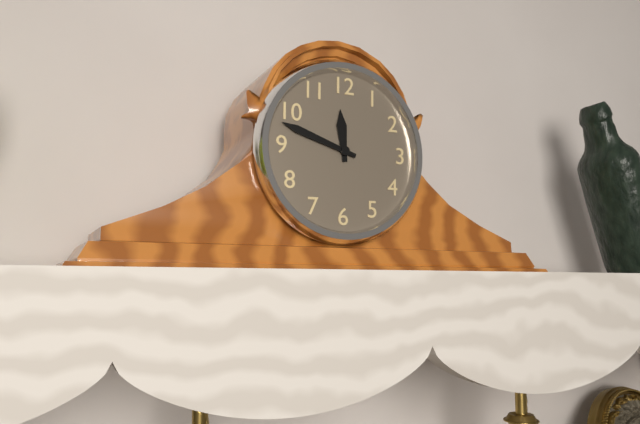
11:48
